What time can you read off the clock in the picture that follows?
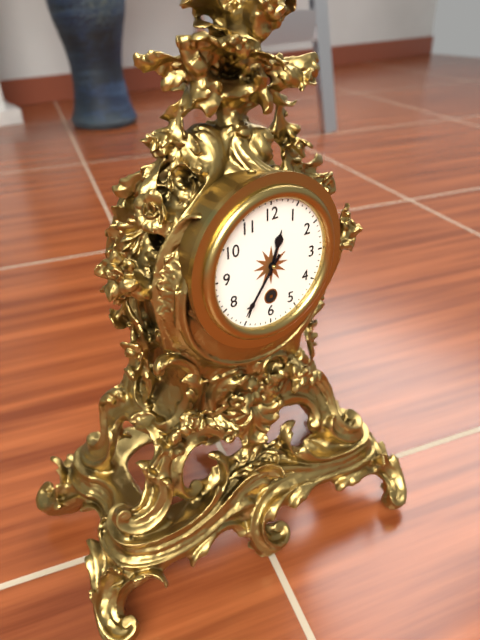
12:36
